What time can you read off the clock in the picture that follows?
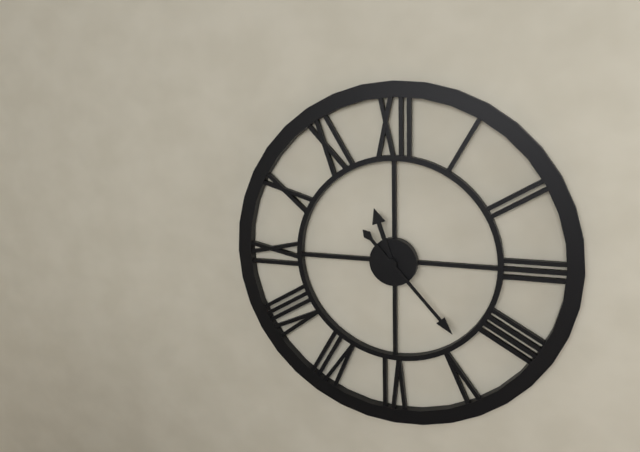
11:23
